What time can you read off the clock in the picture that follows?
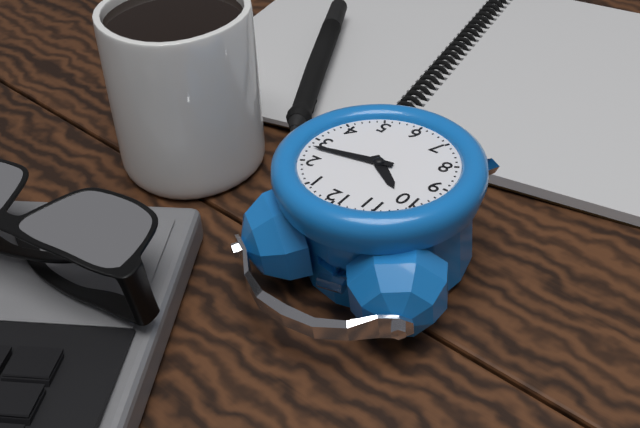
10:13
